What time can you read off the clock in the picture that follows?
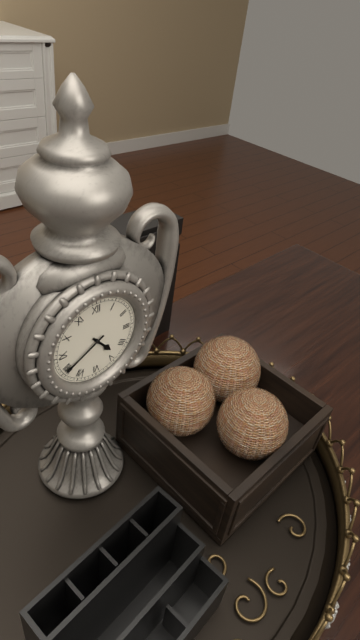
4:40
